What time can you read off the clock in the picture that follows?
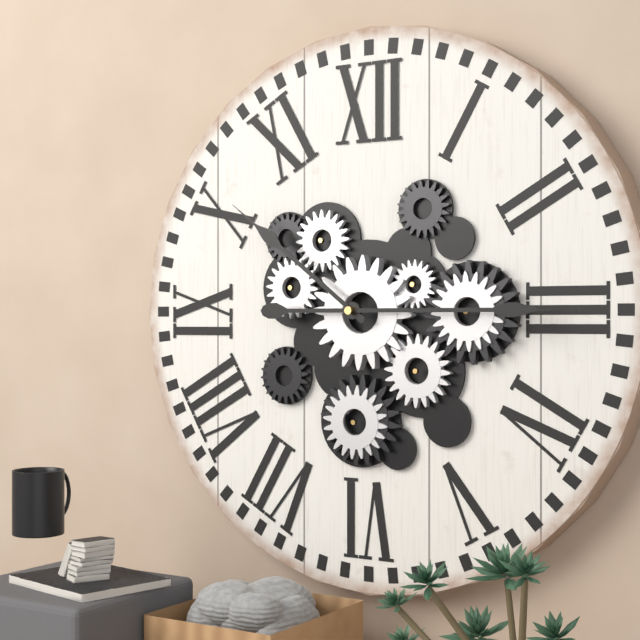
10:15
